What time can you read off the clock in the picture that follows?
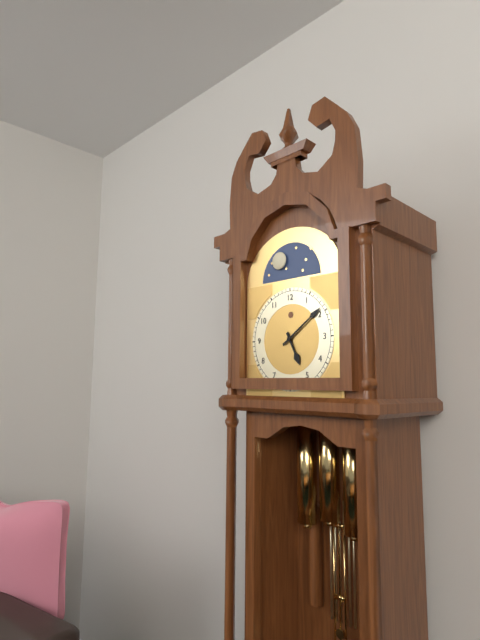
5:09
